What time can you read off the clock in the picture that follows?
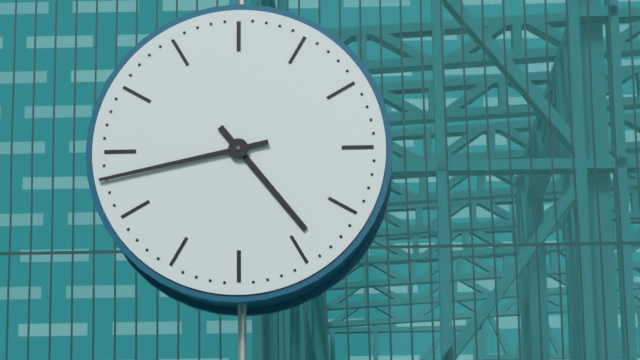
4:43
